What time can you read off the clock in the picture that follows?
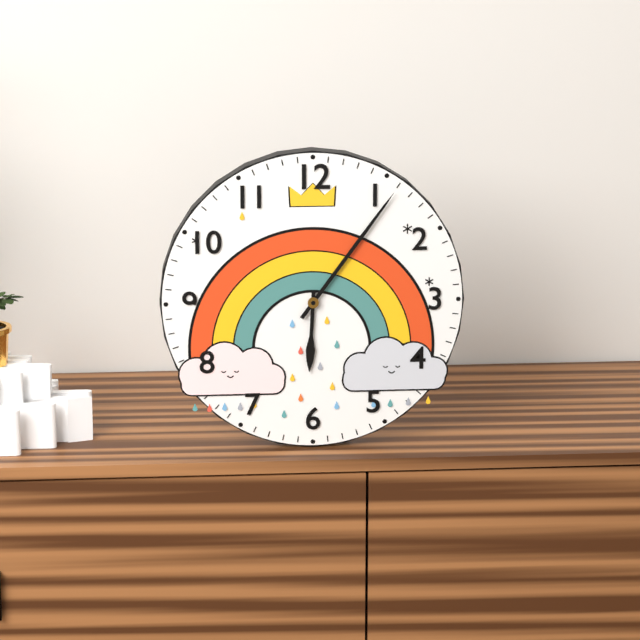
6:06
